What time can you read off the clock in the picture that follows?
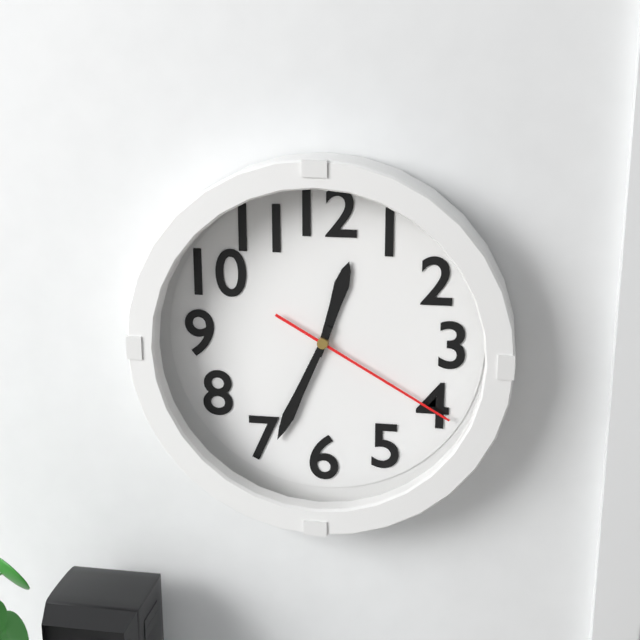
12:34:20
